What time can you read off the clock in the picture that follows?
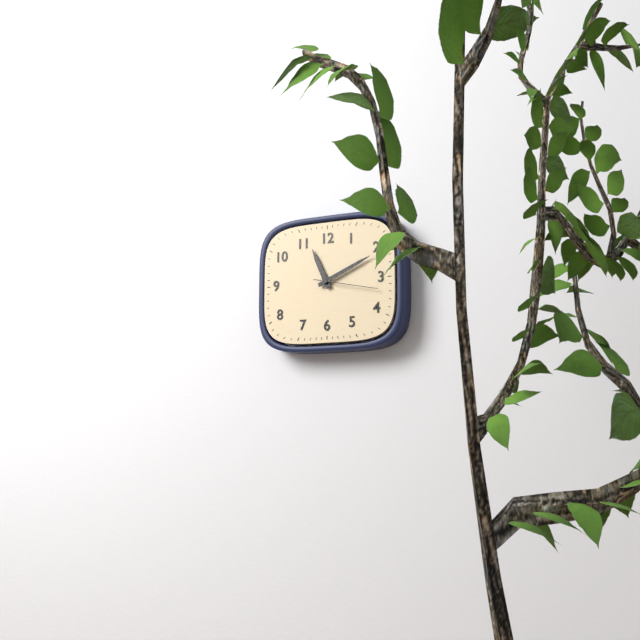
11:11
